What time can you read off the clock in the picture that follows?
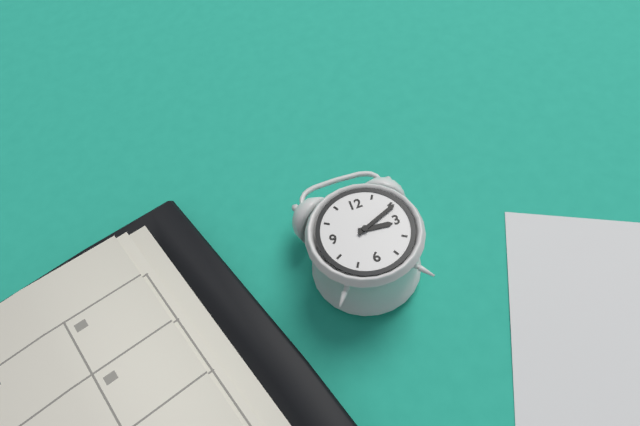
3:11
